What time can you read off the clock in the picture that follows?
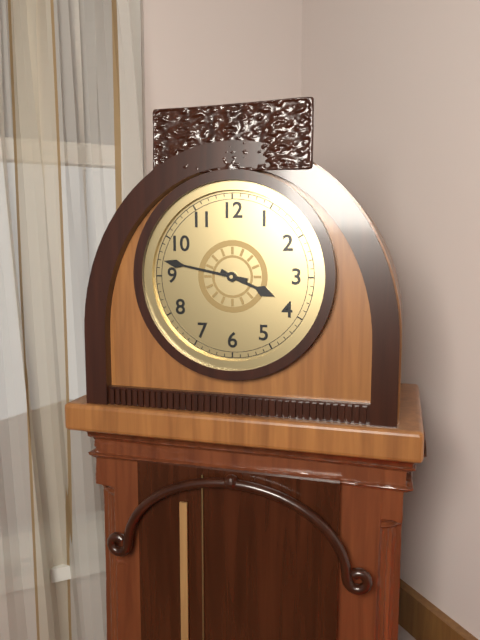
3:47
